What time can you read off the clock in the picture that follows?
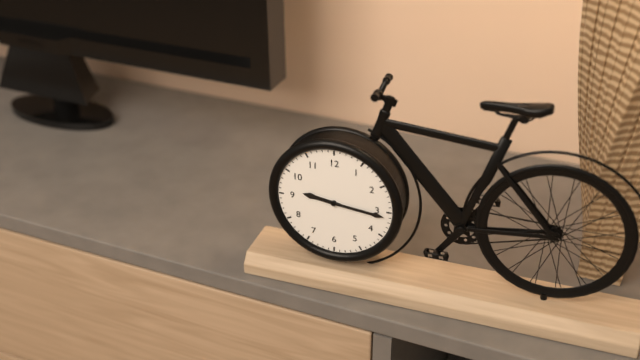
9:16
